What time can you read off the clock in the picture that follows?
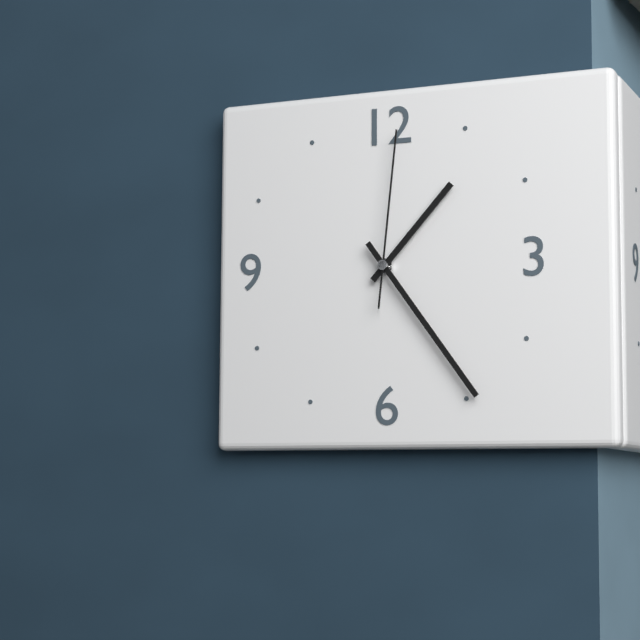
1:24:01
